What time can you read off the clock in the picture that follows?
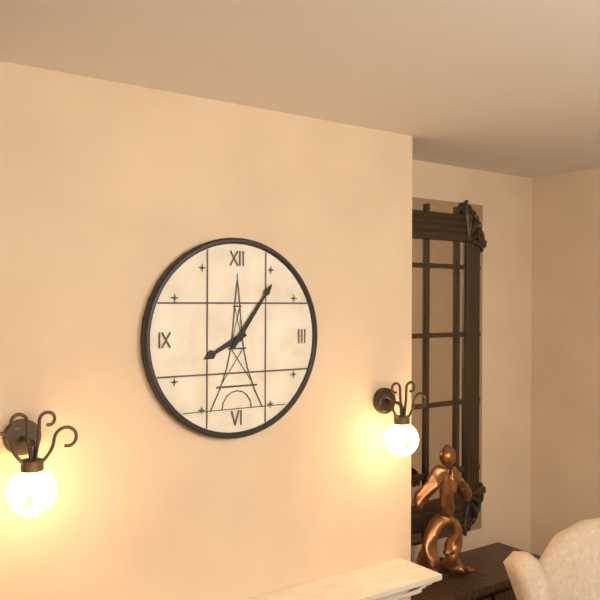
8:06
